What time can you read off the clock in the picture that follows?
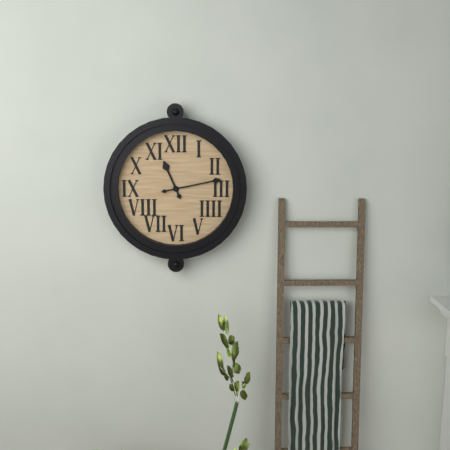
11:13
